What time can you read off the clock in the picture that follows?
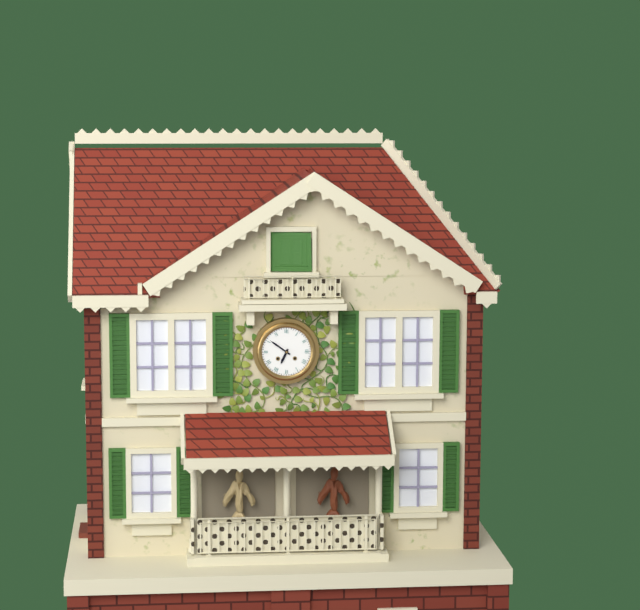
6:51
